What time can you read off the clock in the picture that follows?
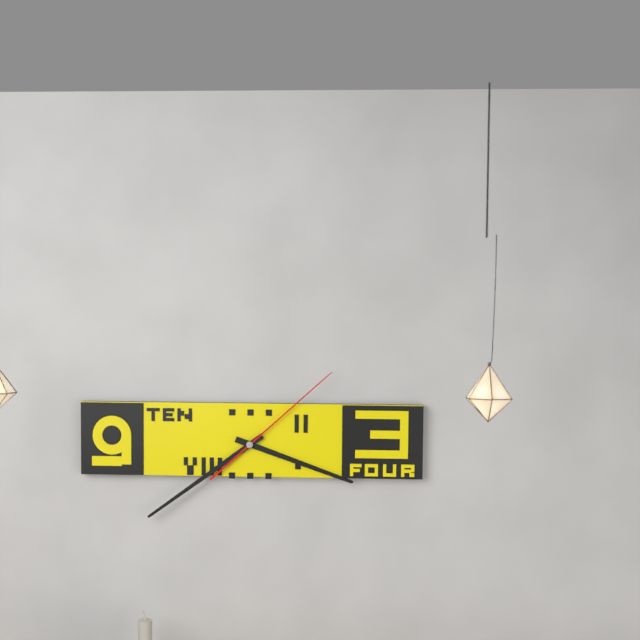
3:39:08
